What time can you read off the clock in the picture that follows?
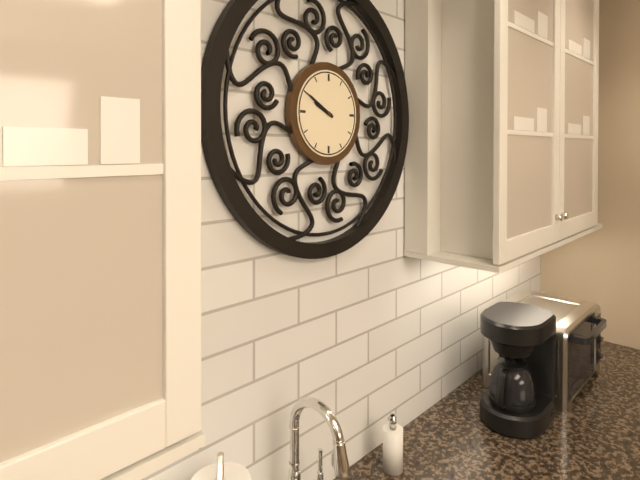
9:50
